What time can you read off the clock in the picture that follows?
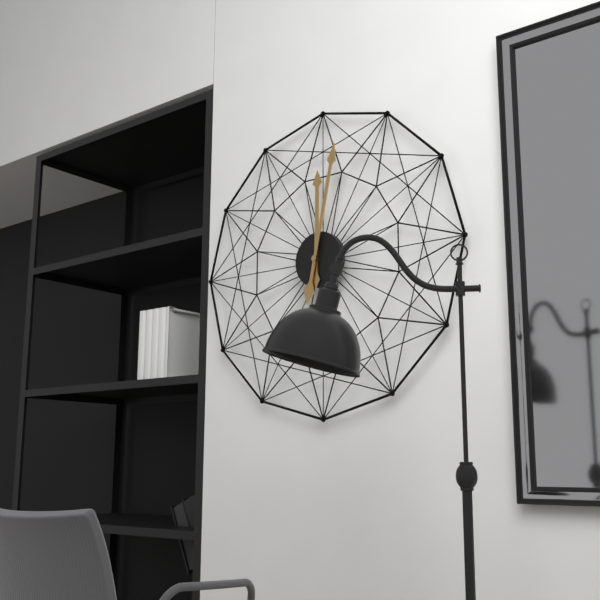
12:02
